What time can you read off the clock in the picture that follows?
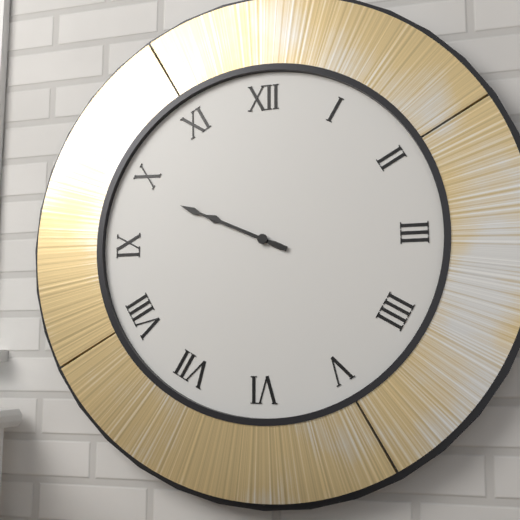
9:49
